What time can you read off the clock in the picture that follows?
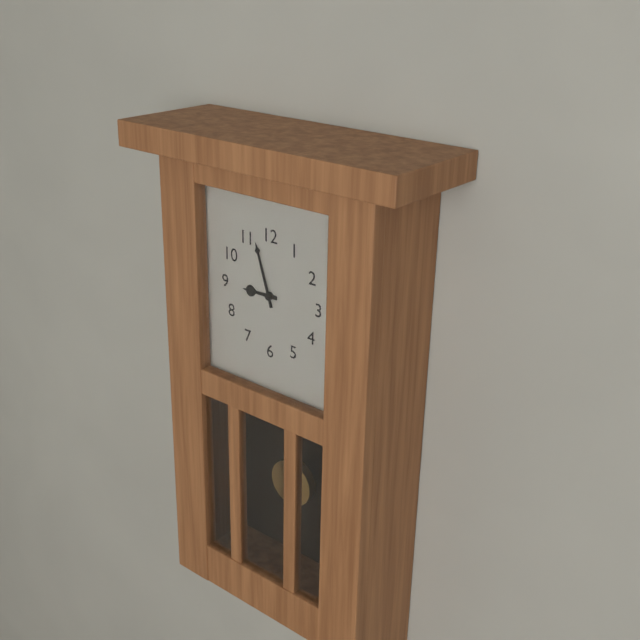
8:57
